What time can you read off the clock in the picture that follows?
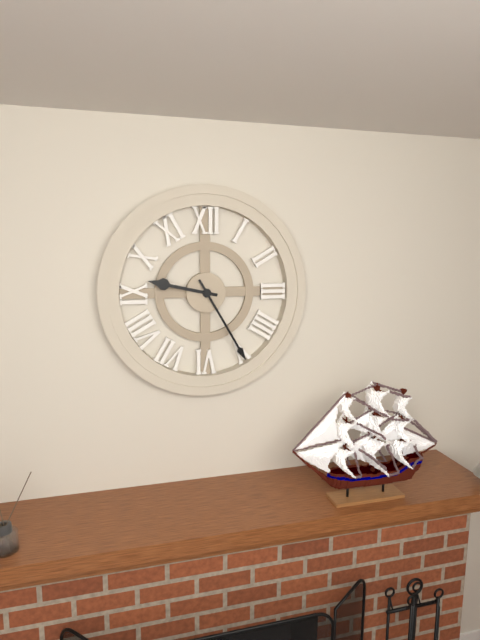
9:25
